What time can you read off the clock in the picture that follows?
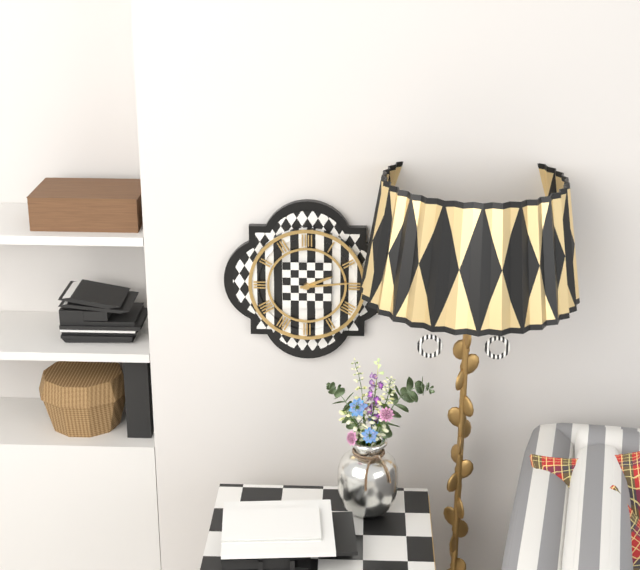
2:14
